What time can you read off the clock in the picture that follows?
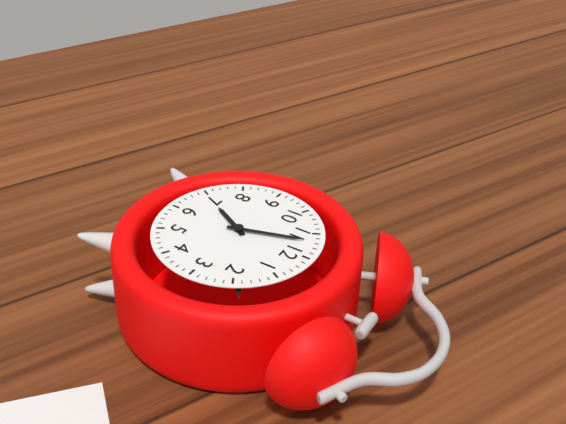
6:57
